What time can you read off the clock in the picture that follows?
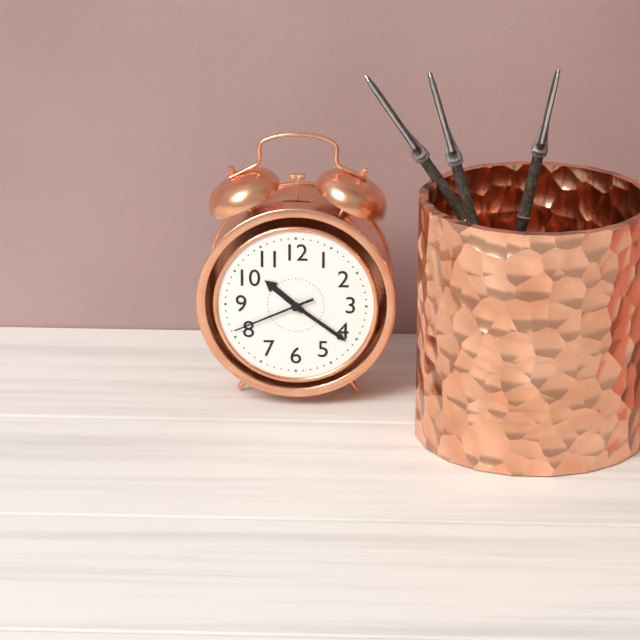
10:21:41
